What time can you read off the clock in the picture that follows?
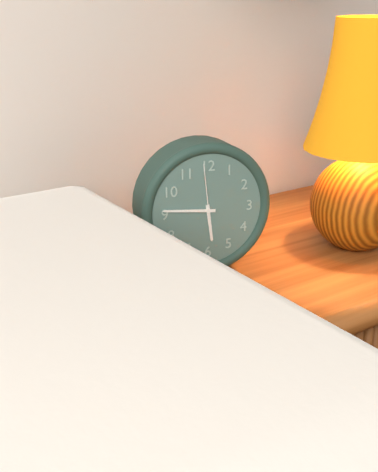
5:46:59
